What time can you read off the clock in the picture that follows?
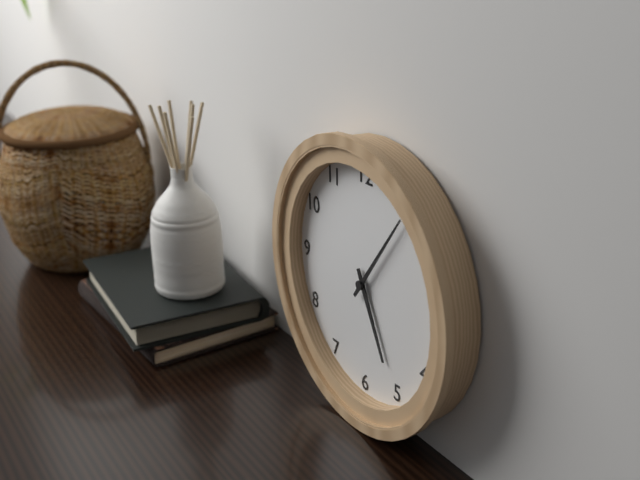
5:06
